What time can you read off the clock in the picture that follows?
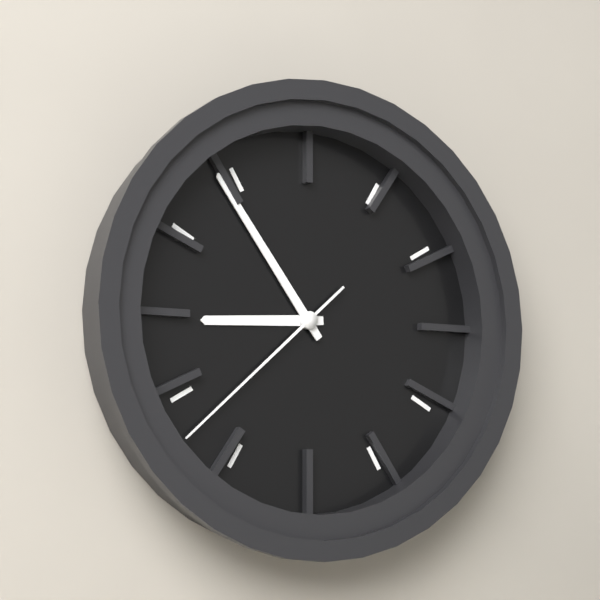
8:54:38
